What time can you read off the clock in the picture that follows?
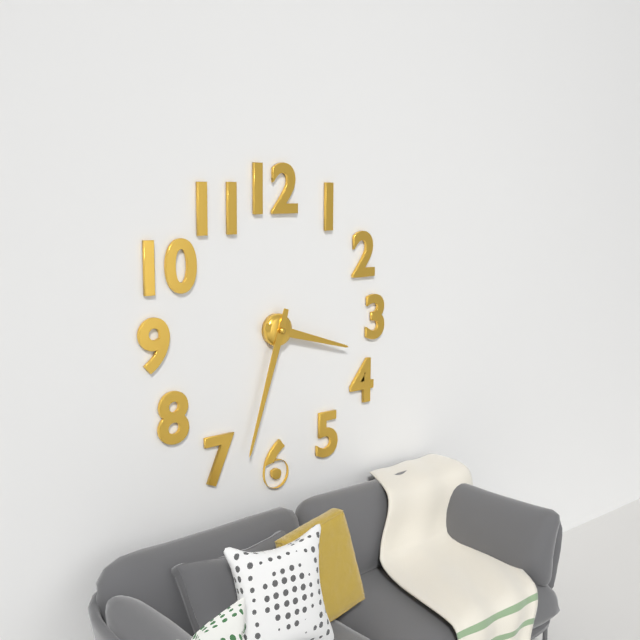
3:33
